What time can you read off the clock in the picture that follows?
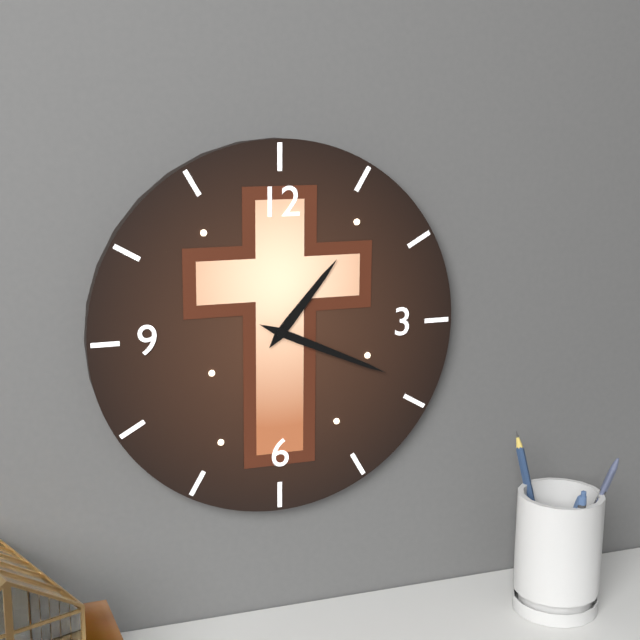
1:19
